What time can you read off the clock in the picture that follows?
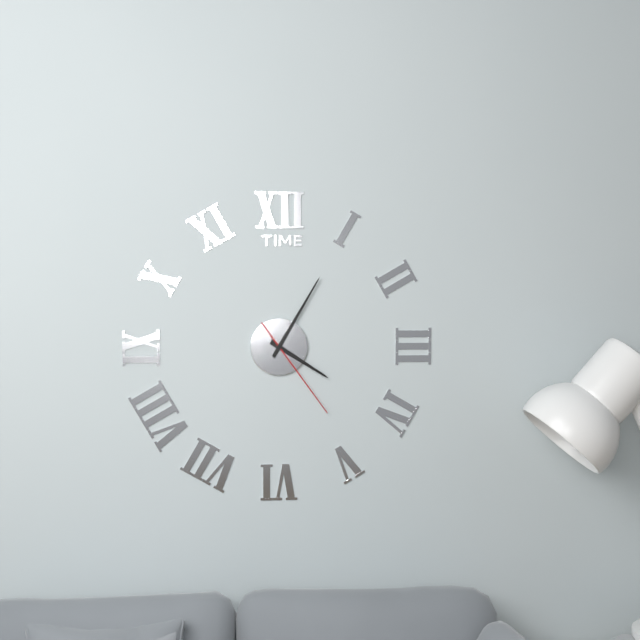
4:05:24
